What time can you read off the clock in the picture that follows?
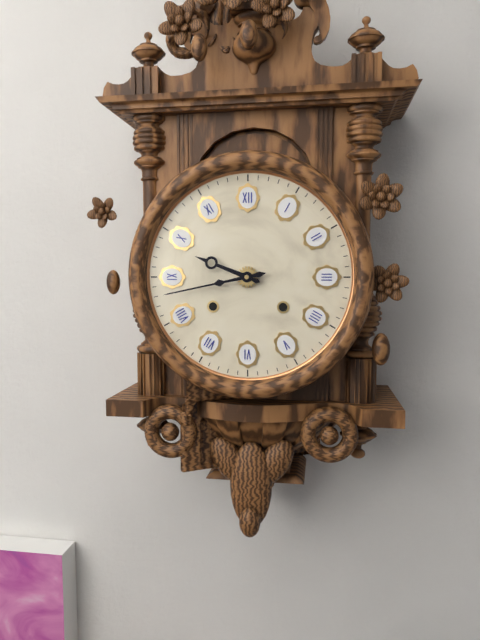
9:43
